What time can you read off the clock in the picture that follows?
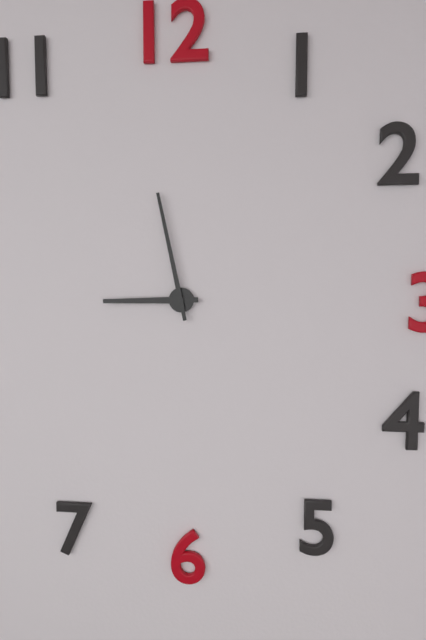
8:58
